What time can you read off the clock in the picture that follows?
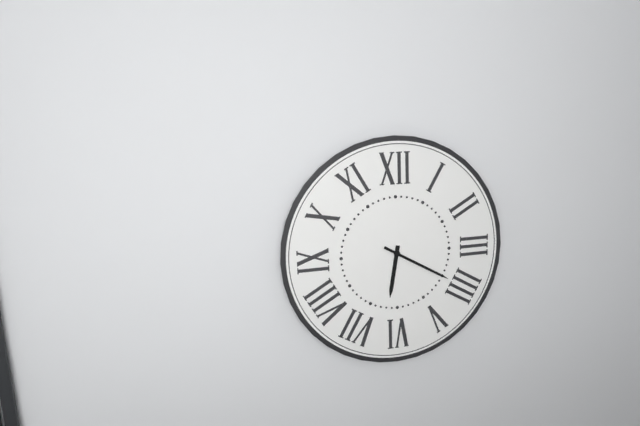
6:20
